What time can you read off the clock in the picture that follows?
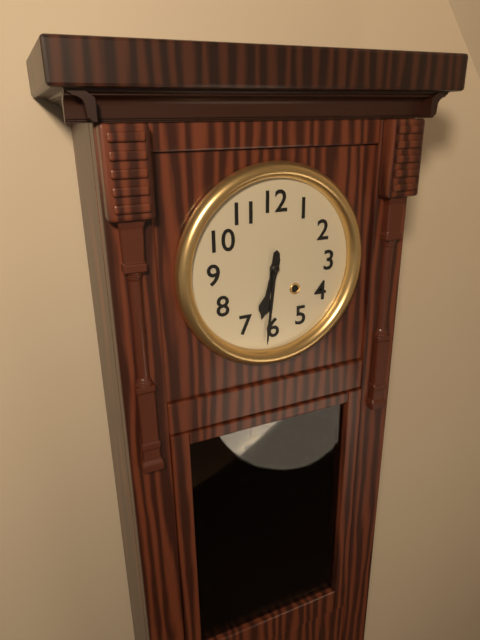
6:31
